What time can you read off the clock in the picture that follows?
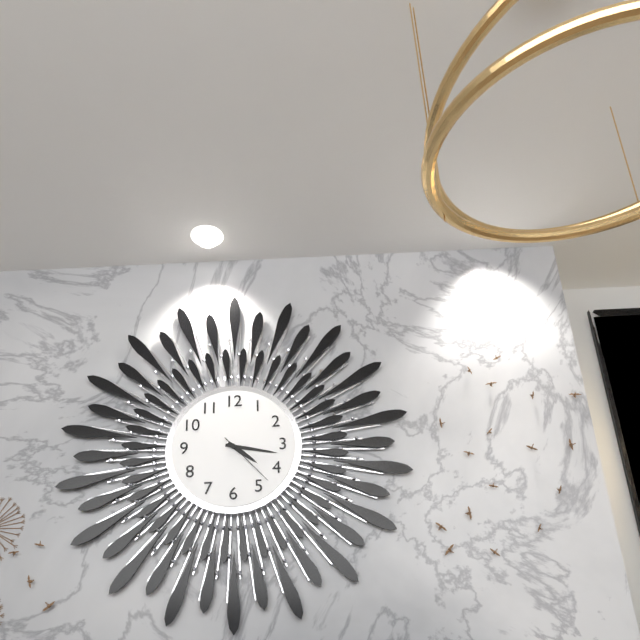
4:17:23
